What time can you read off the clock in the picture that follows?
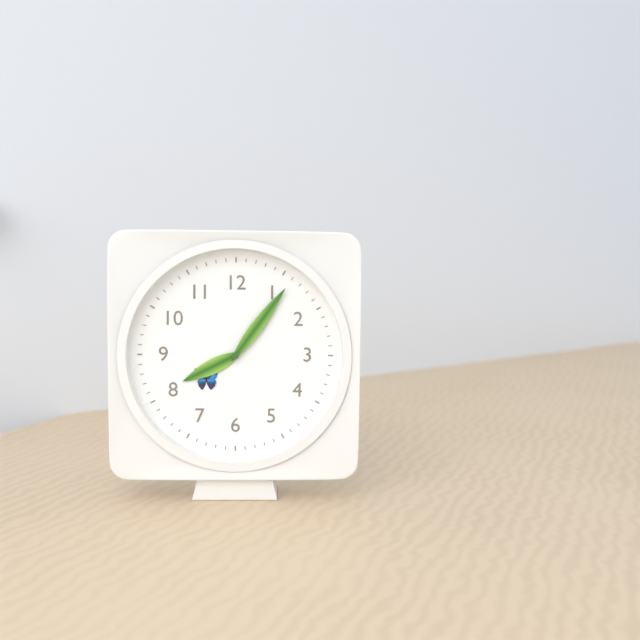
8:06
